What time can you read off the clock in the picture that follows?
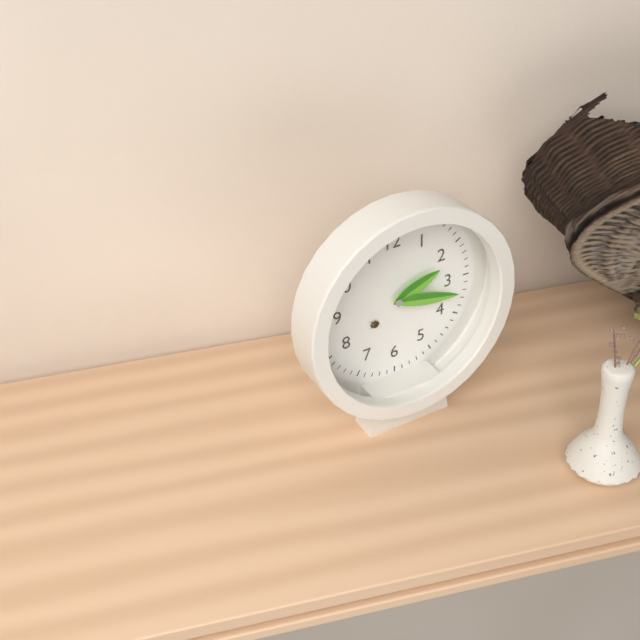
2:17
